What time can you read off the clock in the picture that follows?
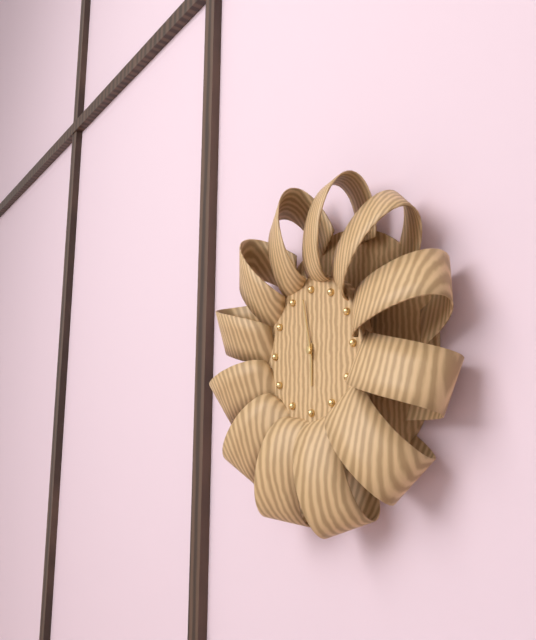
5:58
